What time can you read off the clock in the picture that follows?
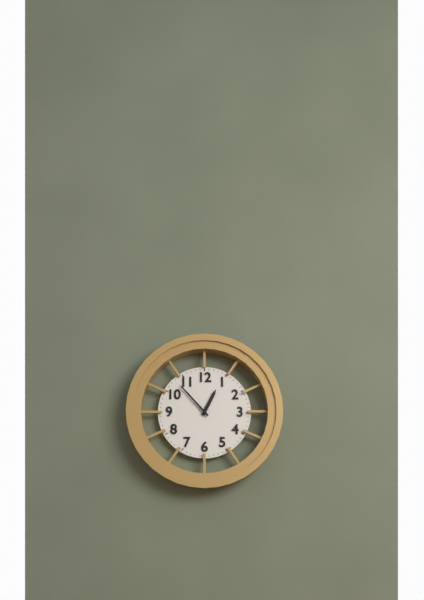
12:53
